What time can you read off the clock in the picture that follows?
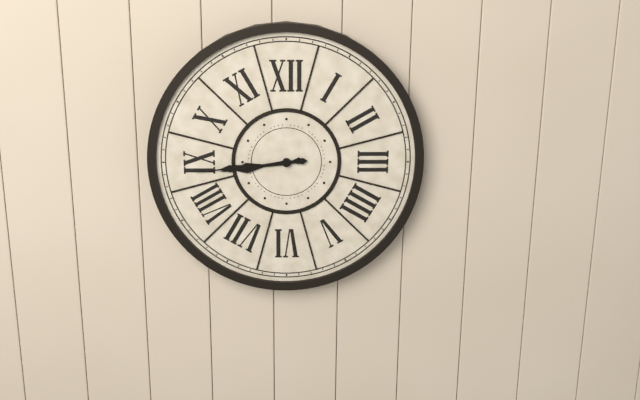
8:44
